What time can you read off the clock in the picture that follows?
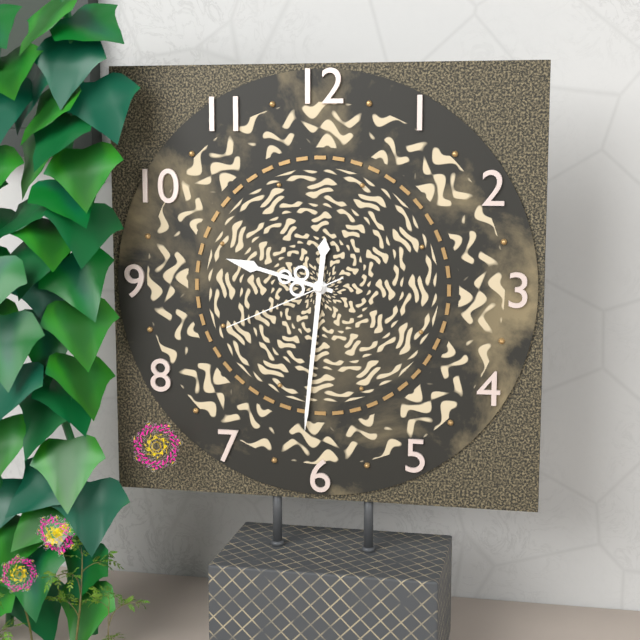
9:31:41
